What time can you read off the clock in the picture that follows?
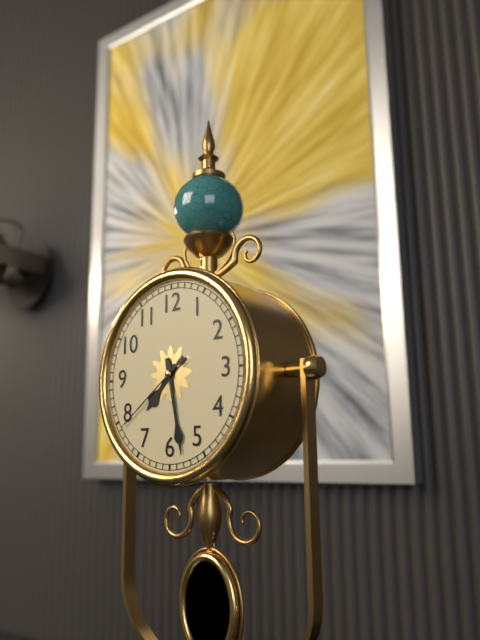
7:28:39
